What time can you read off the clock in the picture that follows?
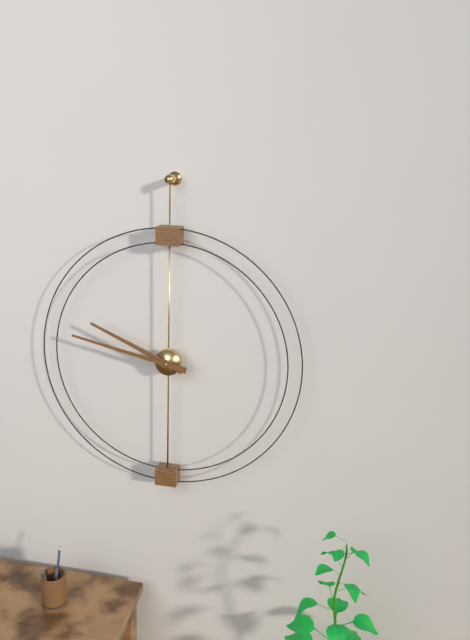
9:47
